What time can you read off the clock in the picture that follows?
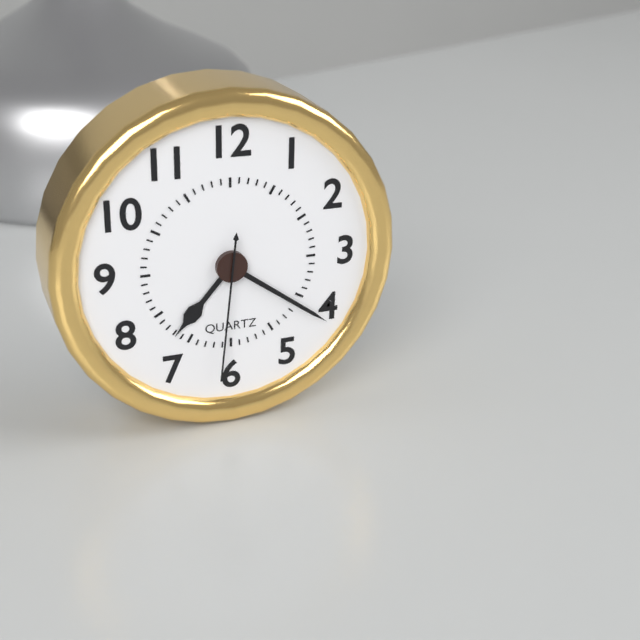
7:21:31
